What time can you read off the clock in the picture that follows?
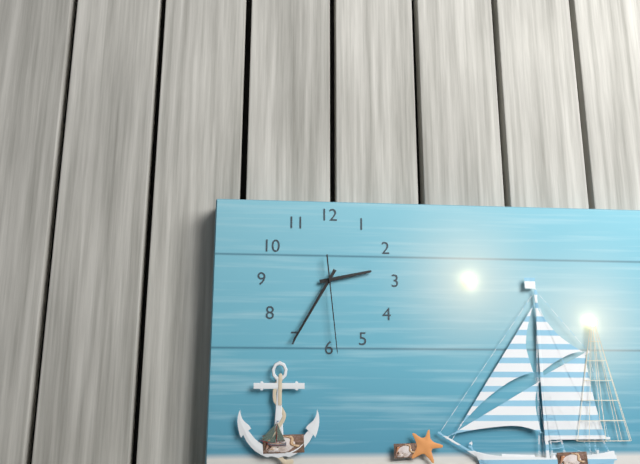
2:35:29
